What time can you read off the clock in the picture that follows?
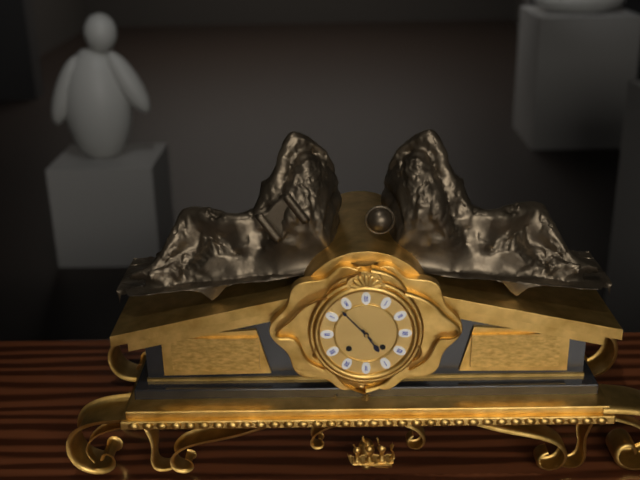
4:53
